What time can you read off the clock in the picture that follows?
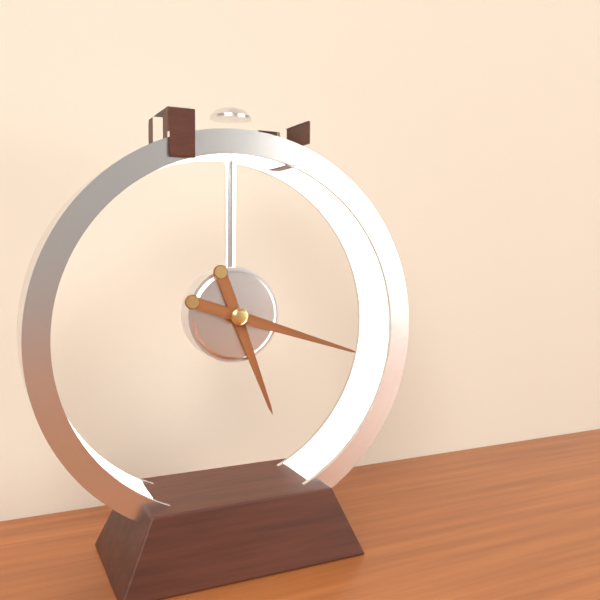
5:18
